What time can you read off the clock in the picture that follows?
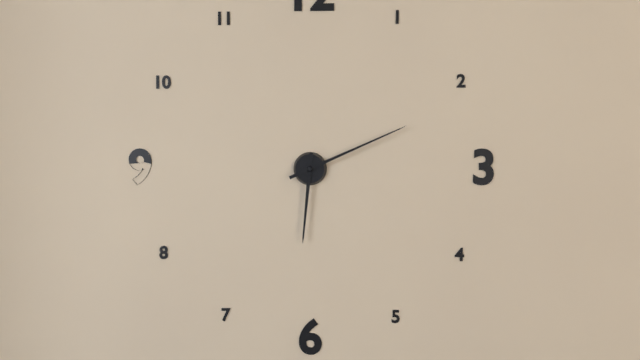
6:11
